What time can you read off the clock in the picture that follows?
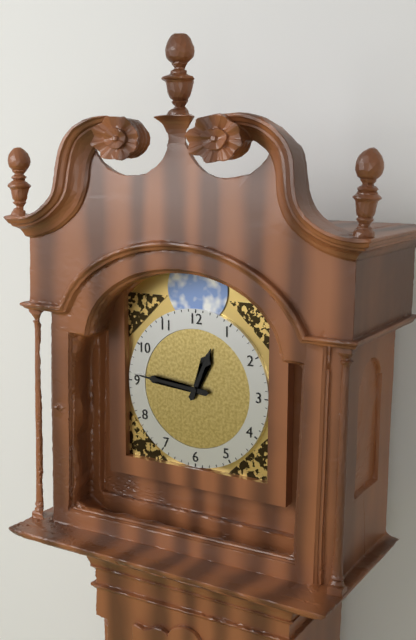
12:46
